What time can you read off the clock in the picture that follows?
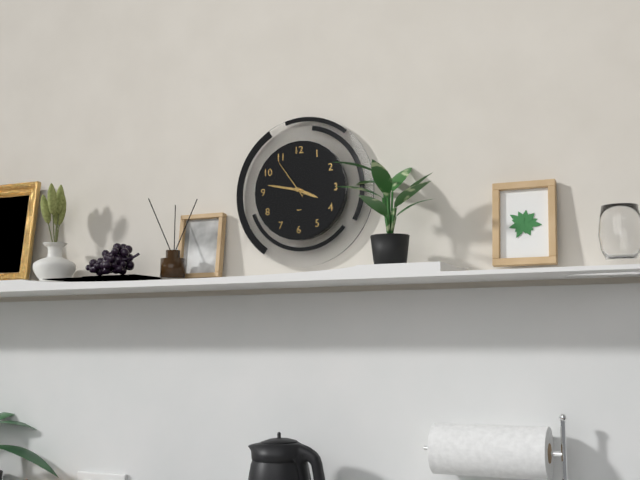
3:47
